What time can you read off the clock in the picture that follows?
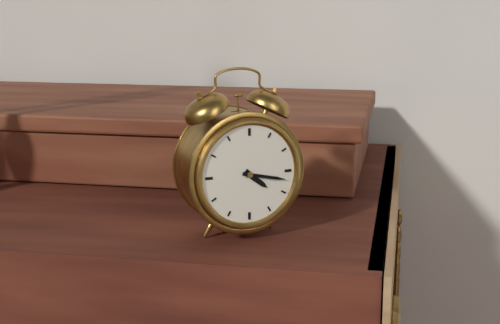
4:17
